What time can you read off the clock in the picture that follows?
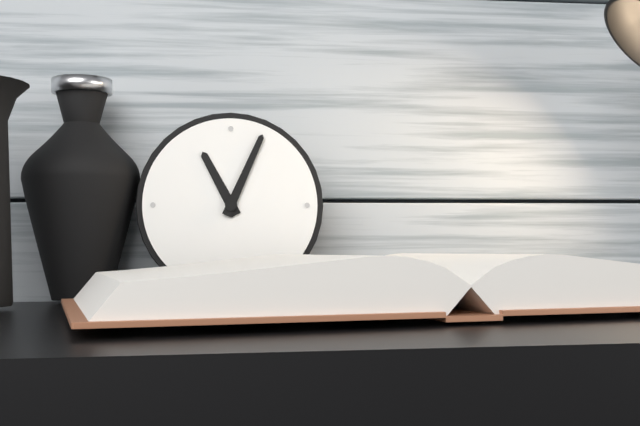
11:04
